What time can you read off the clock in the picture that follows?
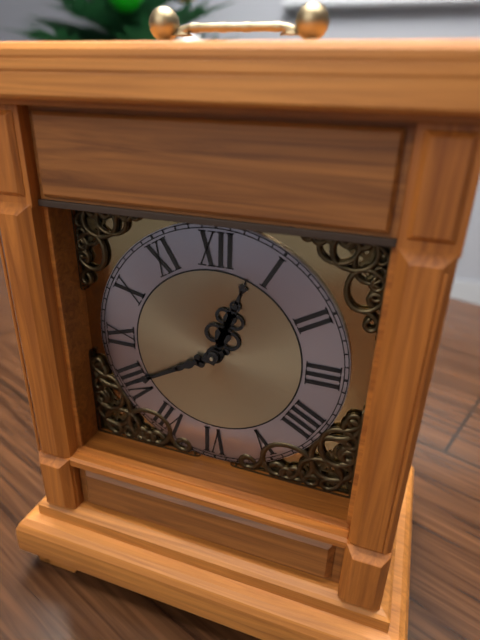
12:40
